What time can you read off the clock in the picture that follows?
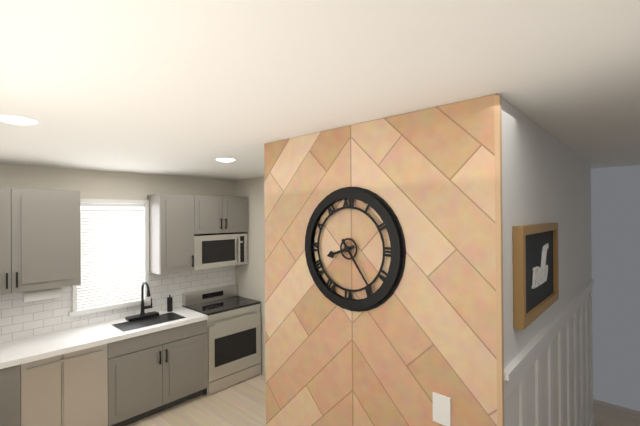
8:24
